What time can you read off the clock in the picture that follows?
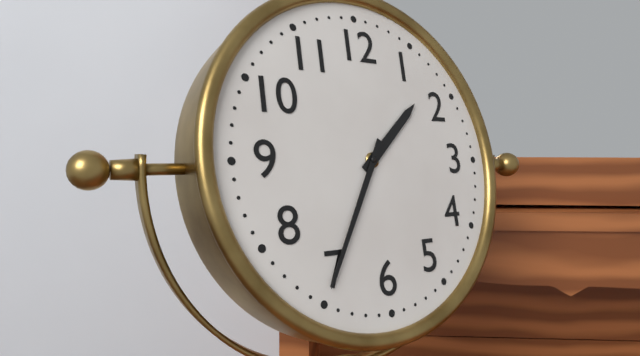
1:35
